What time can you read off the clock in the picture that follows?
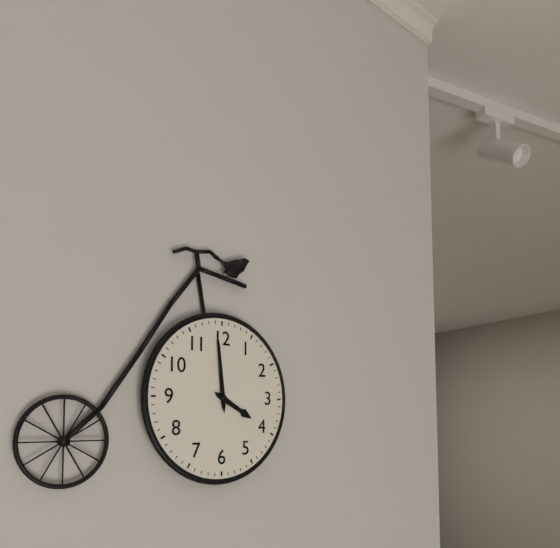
3:59
